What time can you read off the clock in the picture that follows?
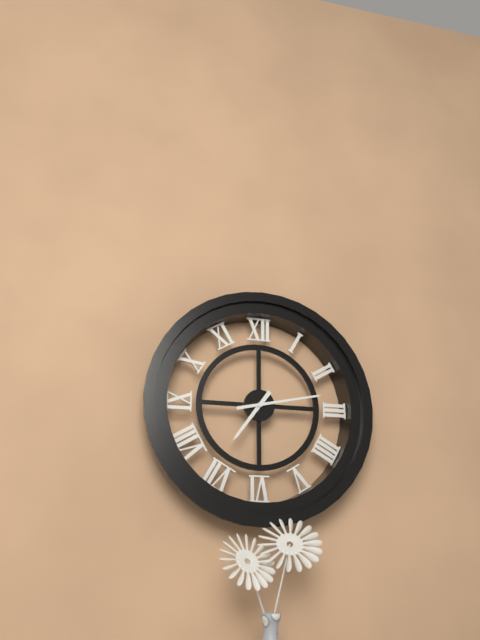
7:13
